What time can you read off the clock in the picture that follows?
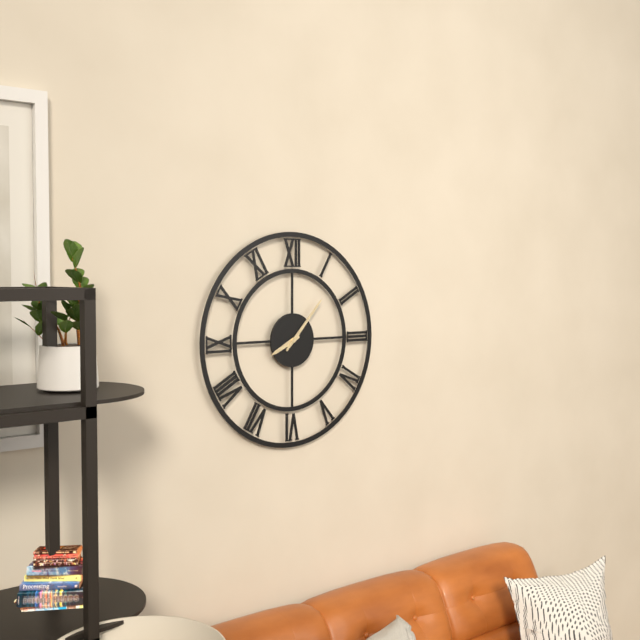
8:07
